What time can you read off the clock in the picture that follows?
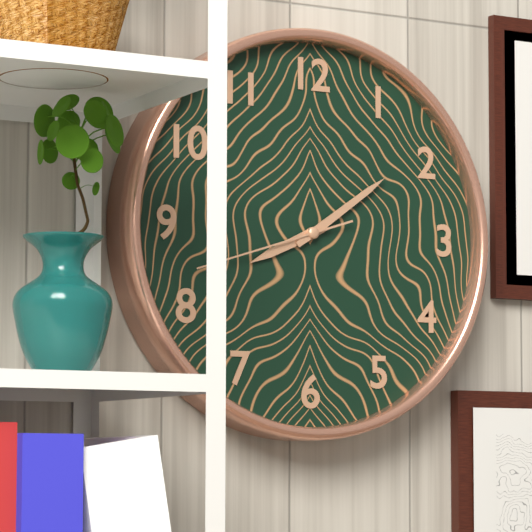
8:09:42
